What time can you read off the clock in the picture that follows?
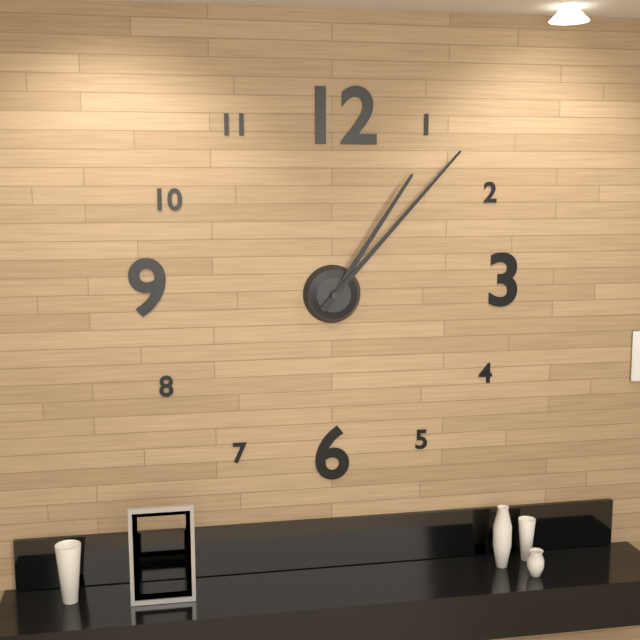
1:07
